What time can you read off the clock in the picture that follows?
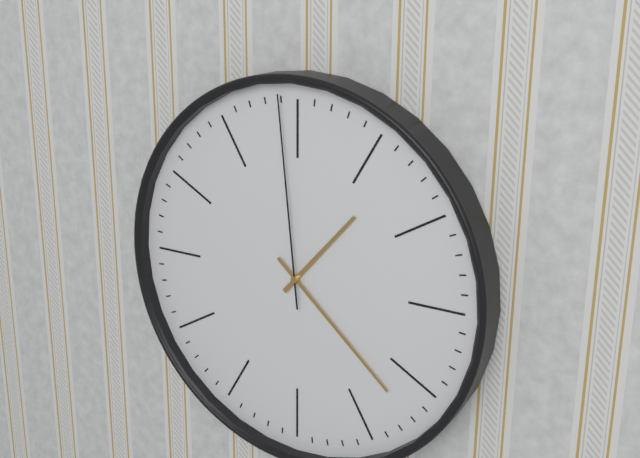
1:22:59
